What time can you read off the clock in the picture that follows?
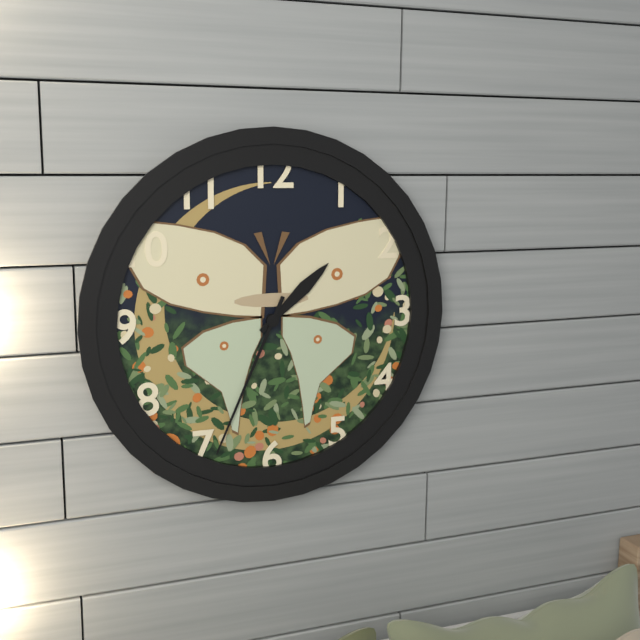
1:34
